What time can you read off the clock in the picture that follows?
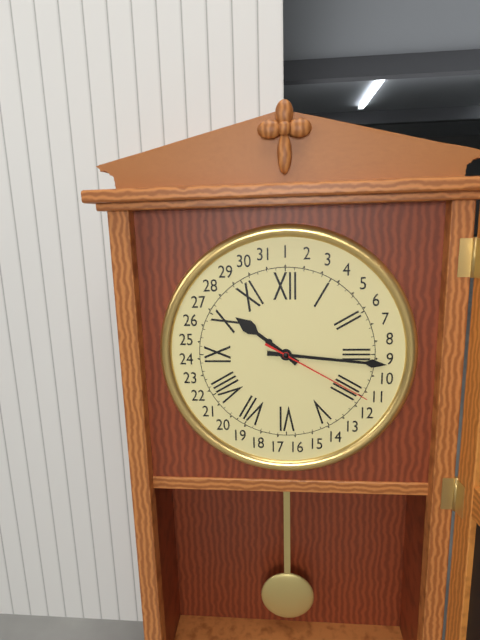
10:16:20
